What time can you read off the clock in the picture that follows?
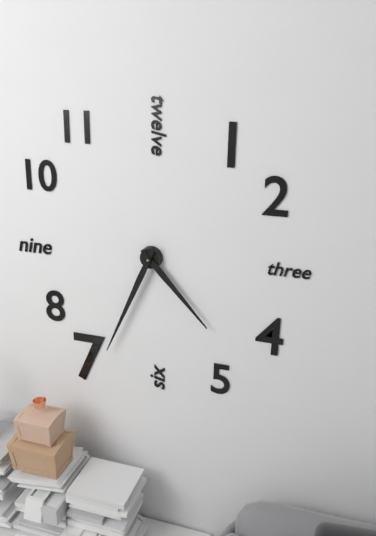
4:34
